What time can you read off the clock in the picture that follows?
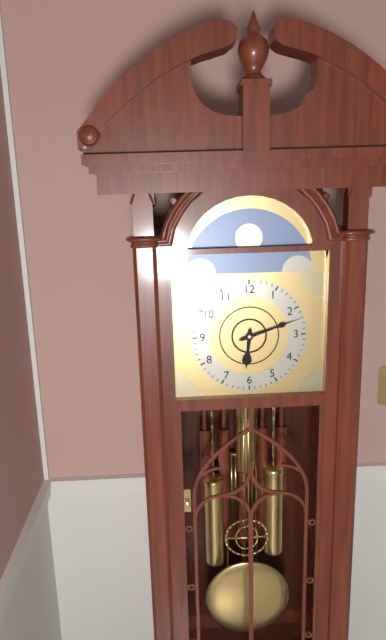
6:12
